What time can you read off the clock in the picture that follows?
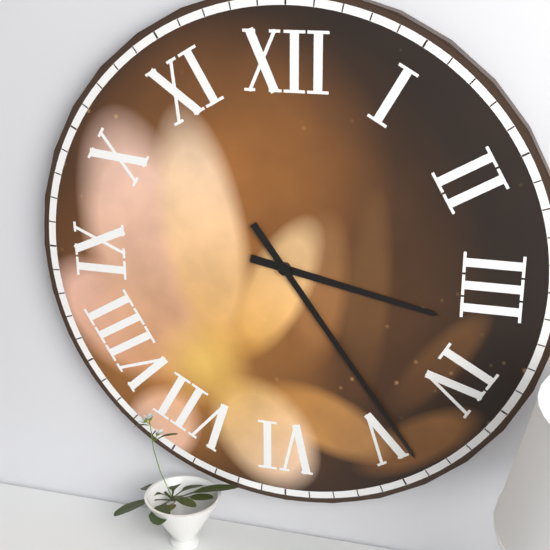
3:24
